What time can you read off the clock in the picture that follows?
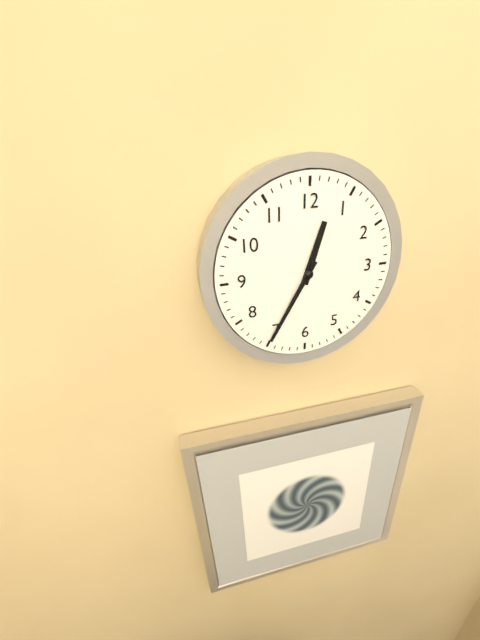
12:35
